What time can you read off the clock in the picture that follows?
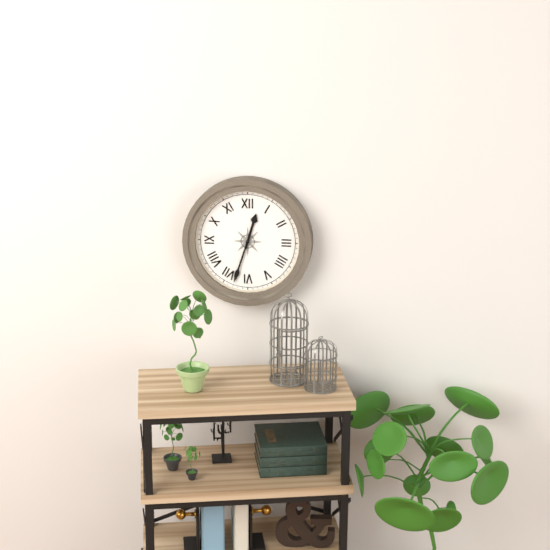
12:33
